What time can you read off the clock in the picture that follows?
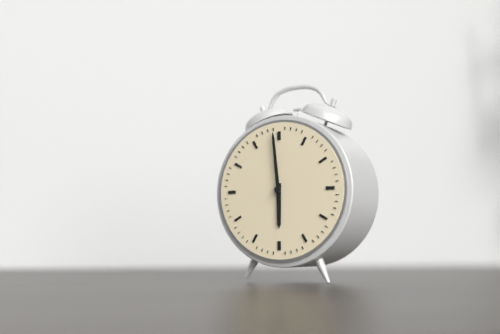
5:59
